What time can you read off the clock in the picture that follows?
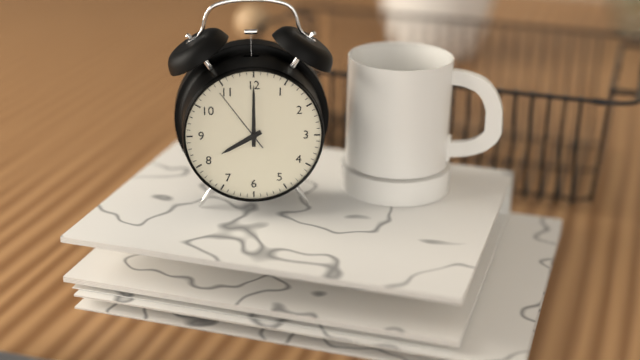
8:00:54
